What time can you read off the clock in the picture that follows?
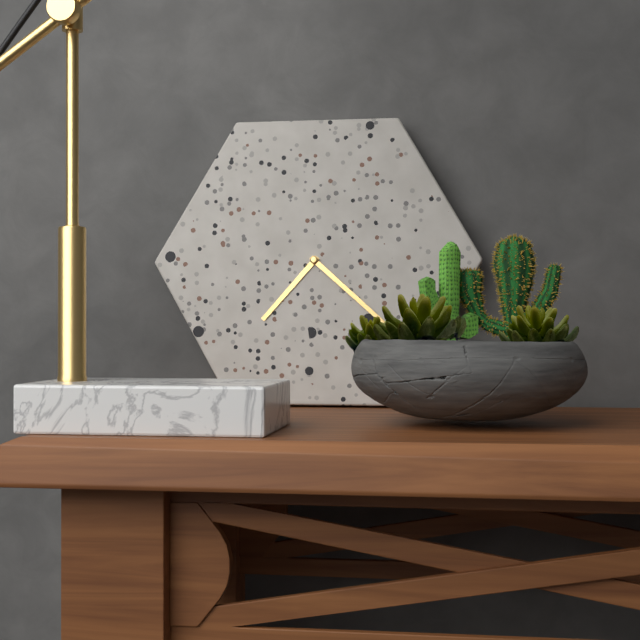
7:22
